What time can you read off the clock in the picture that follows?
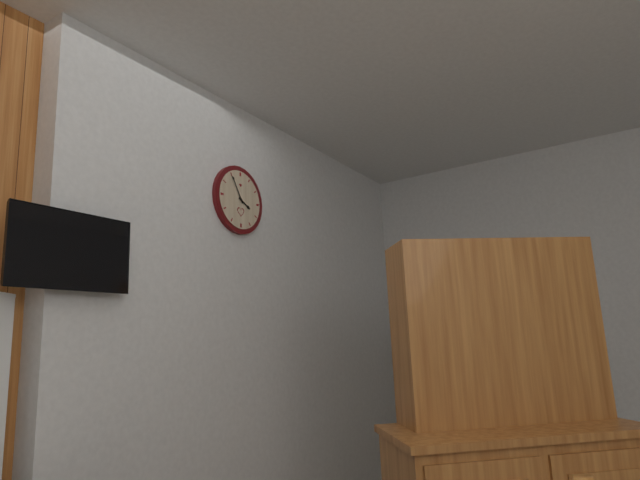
3:55
